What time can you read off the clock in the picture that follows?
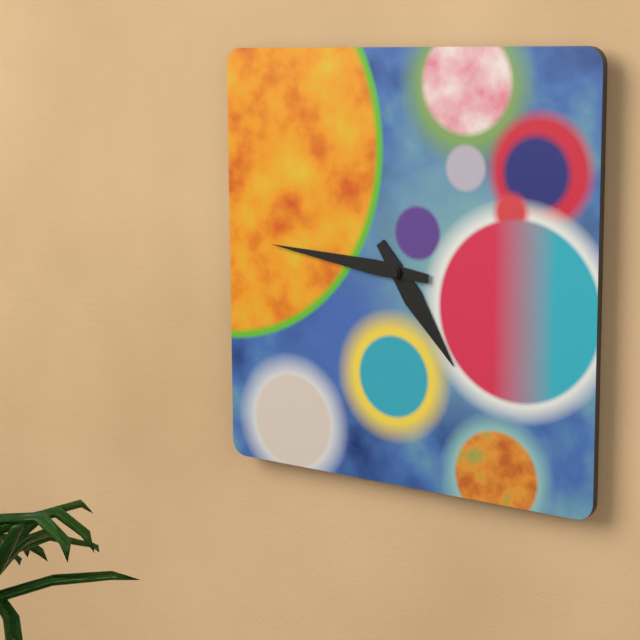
4:46
